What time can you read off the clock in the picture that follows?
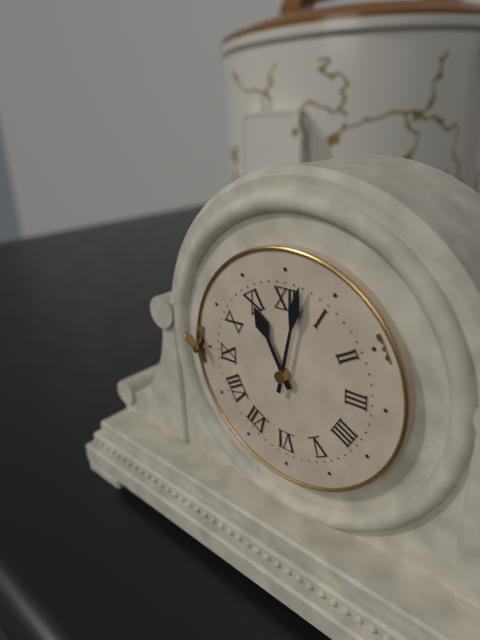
11:02
